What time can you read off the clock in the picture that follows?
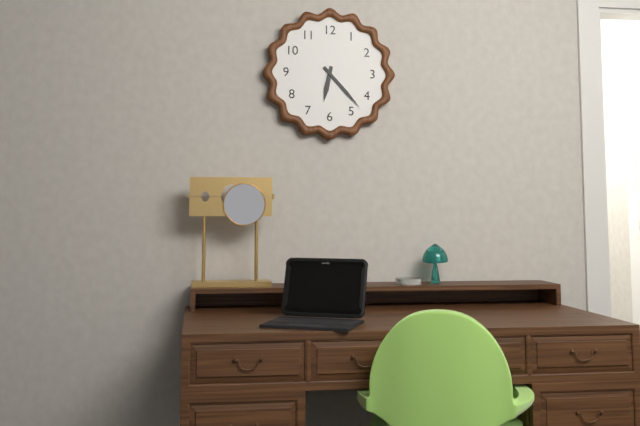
6:23
